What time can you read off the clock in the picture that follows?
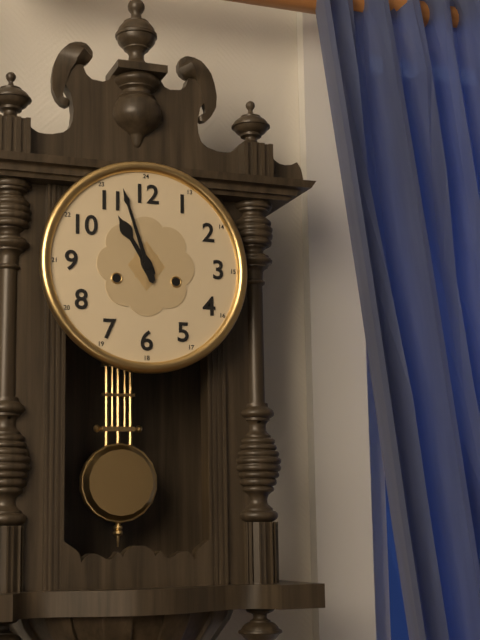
10:57
